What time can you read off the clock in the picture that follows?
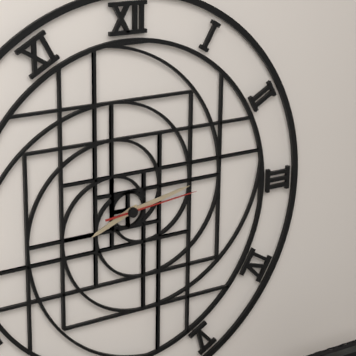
8:13:14
